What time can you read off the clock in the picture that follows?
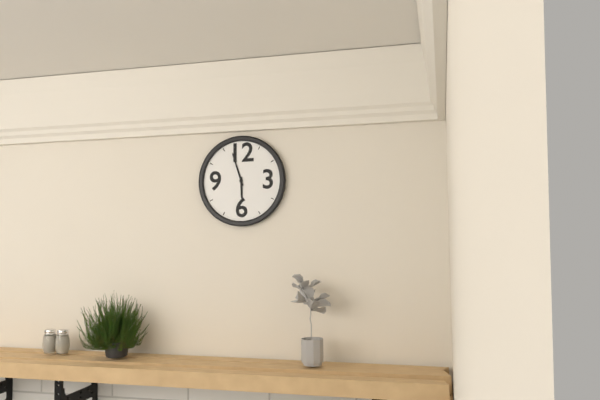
5:57
